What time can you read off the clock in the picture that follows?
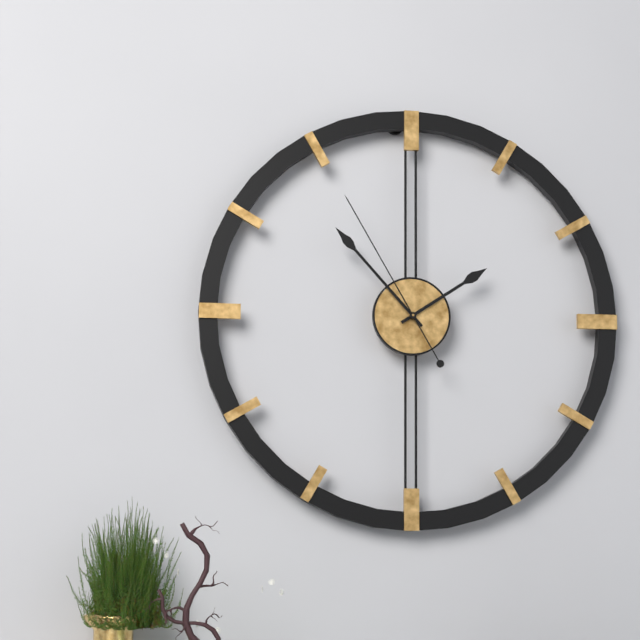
1:53:55
